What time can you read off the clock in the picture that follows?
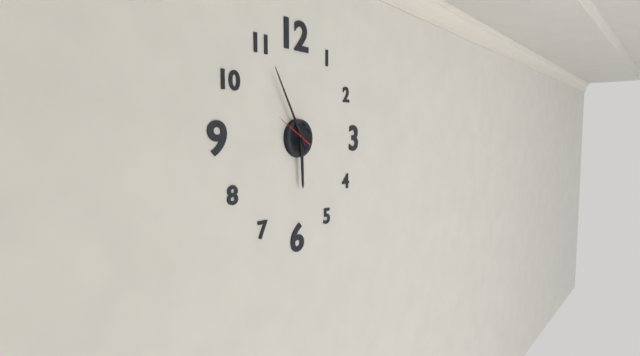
5:55
